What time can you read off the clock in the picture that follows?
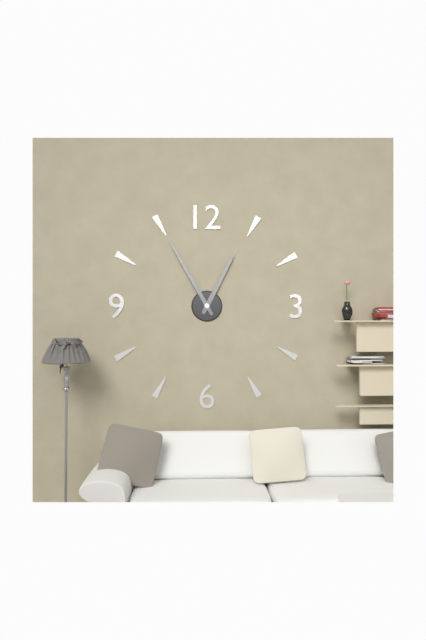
12:55
